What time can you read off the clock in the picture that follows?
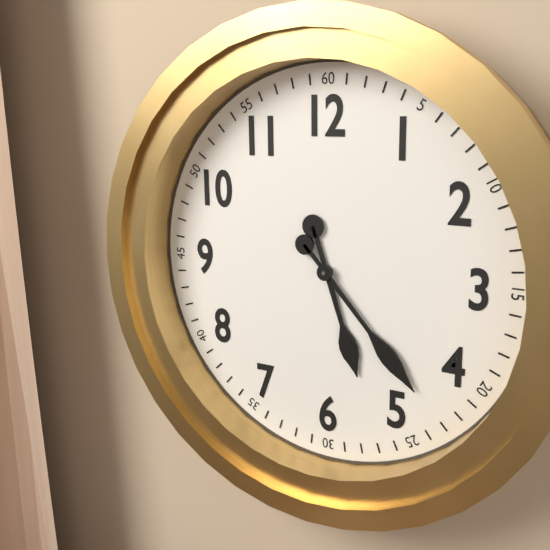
5:23
